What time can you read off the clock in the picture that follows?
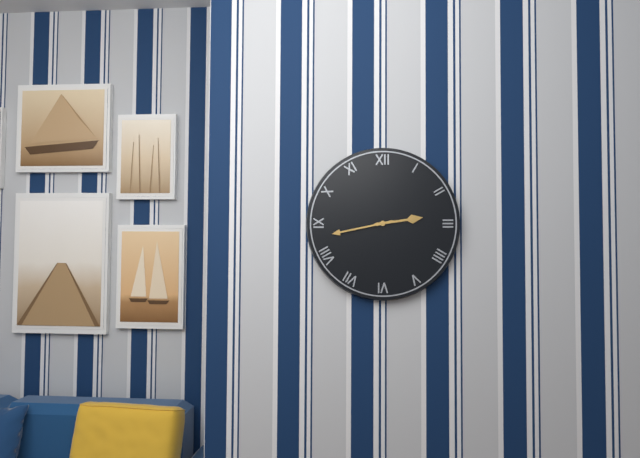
2:43
